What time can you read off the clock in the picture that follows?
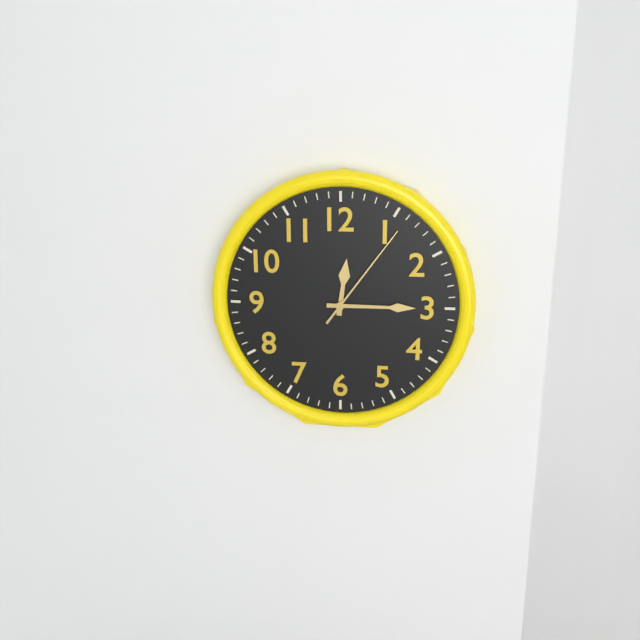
12:15:06
